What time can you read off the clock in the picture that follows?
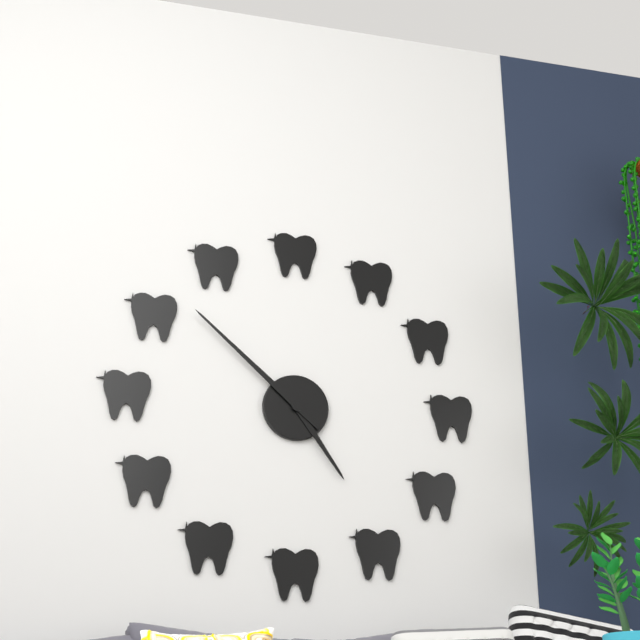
4:52
